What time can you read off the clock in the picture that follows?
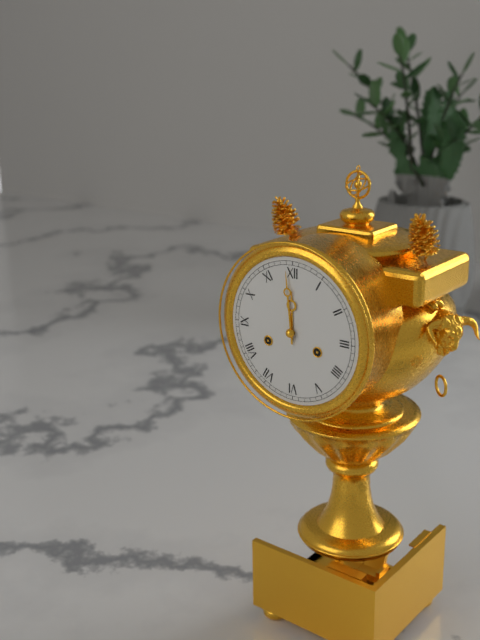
11:59
